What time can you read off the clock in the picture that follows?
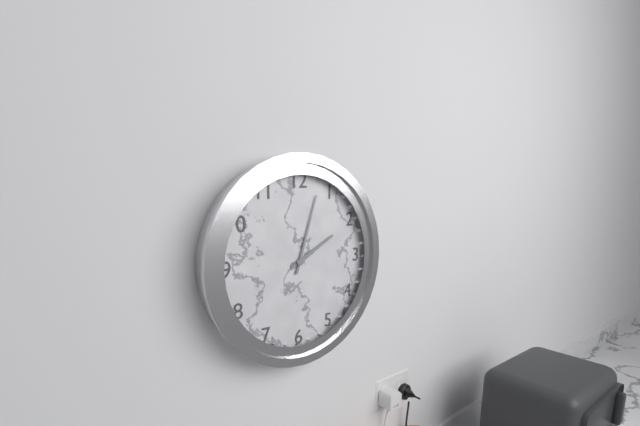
2:03
